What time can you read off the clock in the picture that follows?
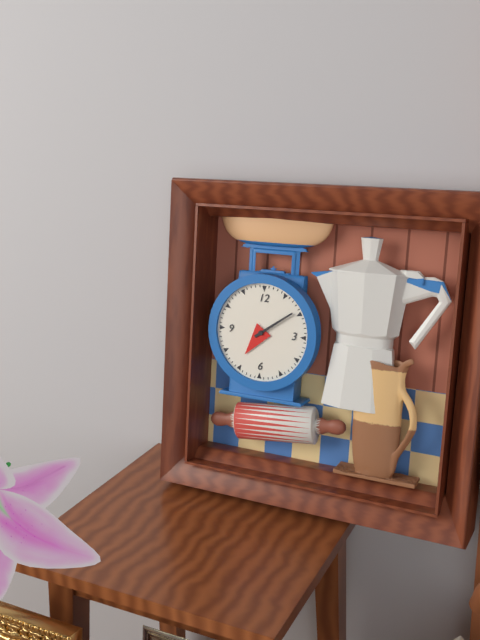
7:09
